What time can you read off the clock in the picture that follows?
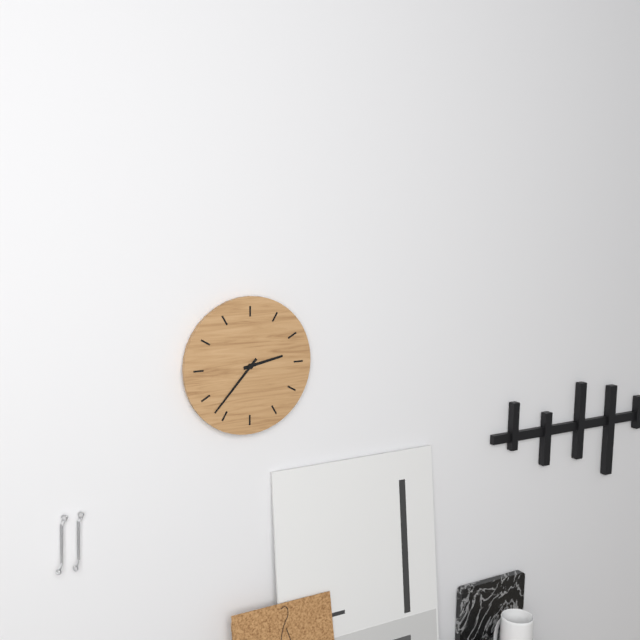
2:37
